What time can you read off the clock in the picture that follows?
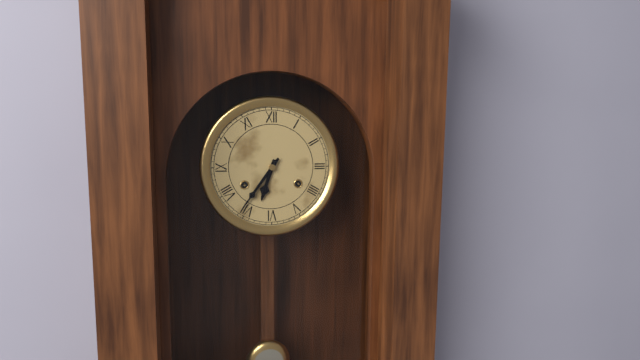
6:36
